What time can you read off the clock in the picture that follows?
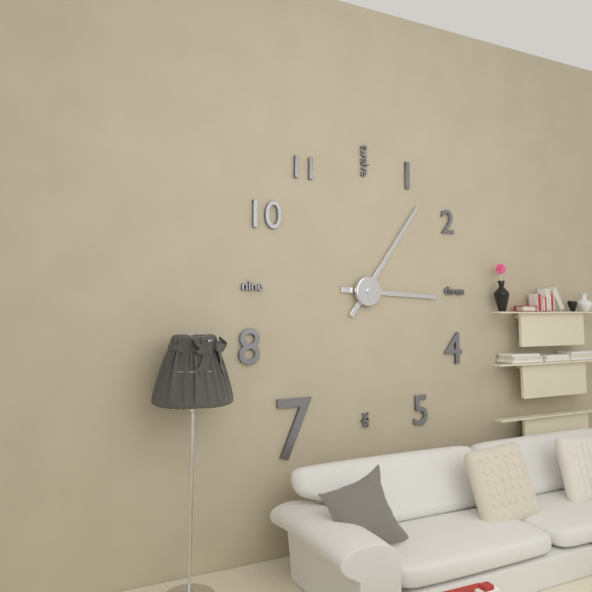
3:06
